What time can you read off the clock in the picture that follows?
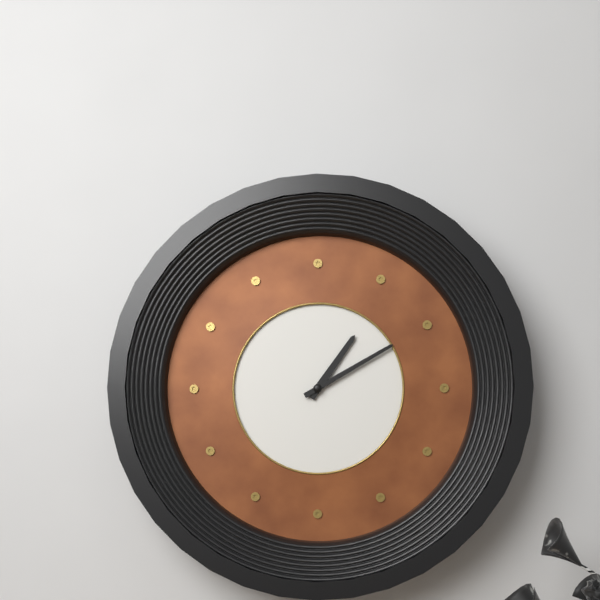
1:10
